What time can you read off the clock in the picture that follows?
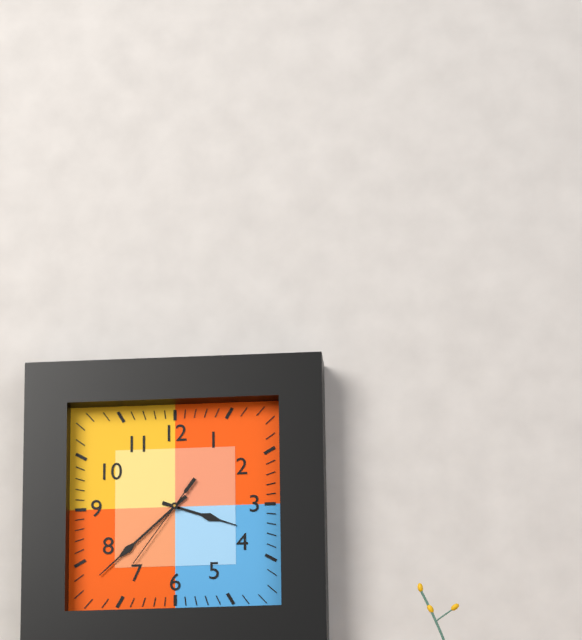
3:38:36
